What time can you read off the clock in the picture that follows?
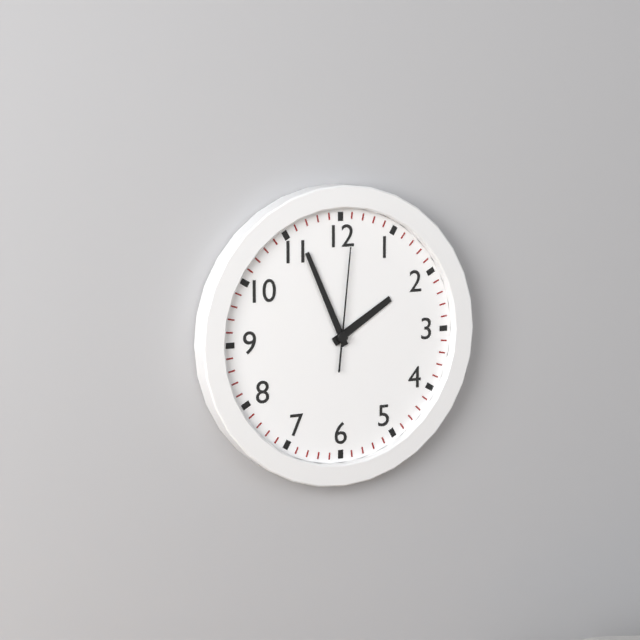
1:56:01
